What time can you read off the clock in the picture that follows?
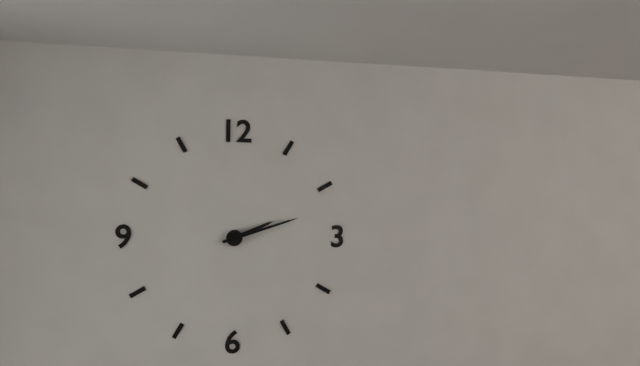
2:12
